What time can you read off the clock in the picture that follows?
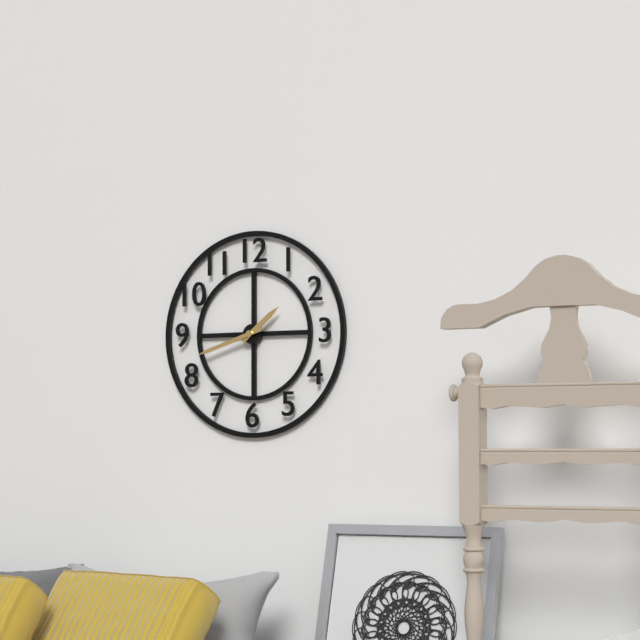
1:42
